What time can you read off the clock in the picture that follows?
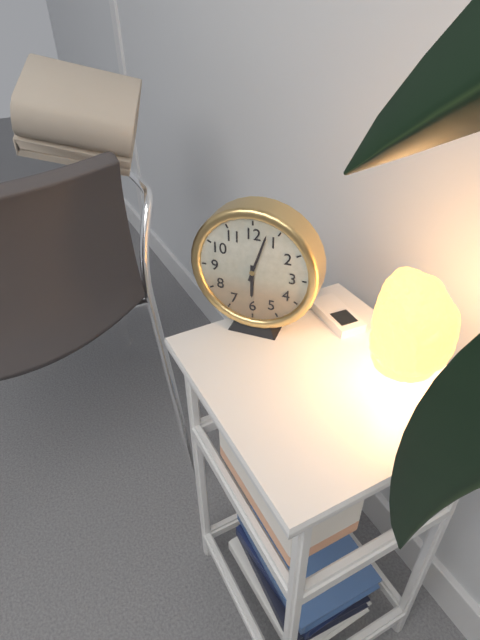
6:03
